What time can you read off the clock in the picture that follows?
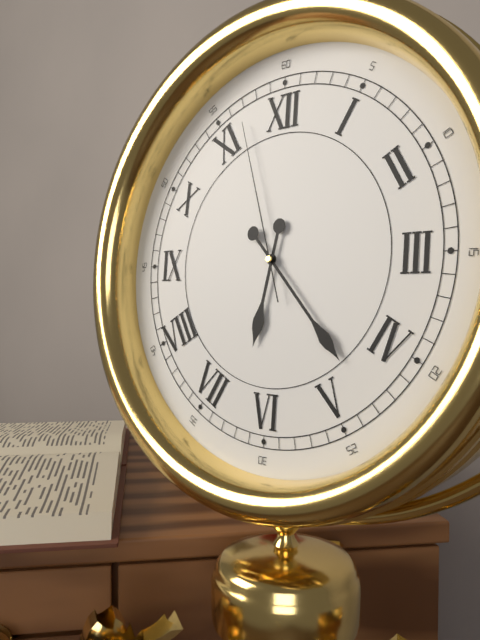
6:23:57
